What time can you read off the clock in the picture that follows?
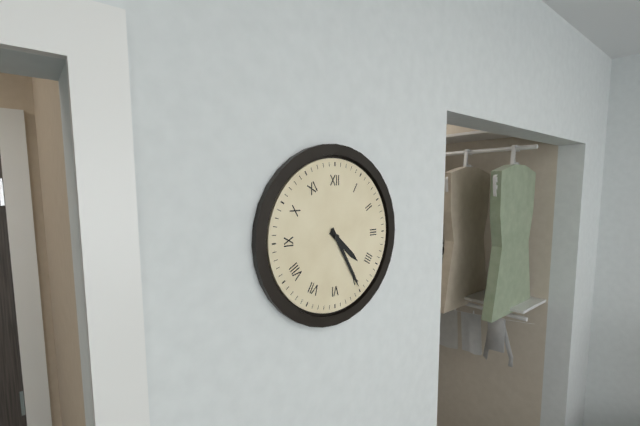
4:25
